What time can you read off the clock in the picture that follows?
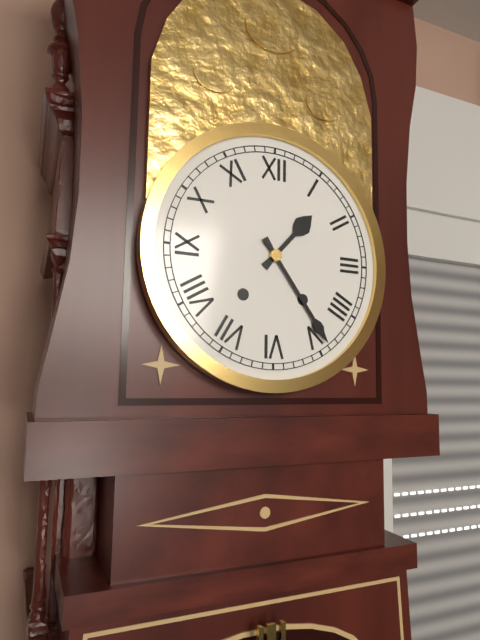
1:24
